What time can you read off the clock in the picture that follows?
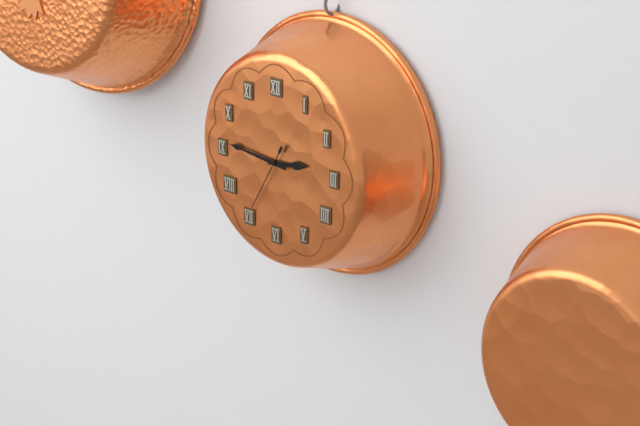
2:46:35
